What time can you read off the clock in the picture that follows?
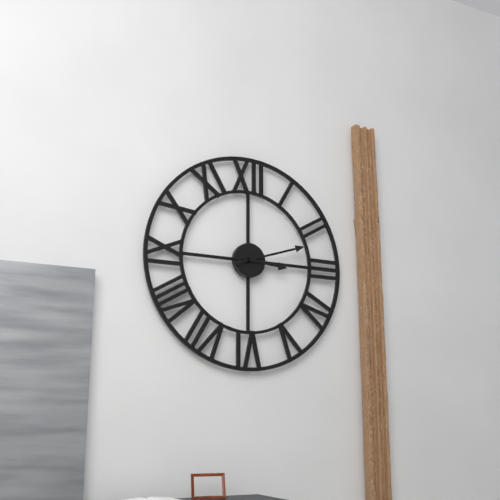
3:12
